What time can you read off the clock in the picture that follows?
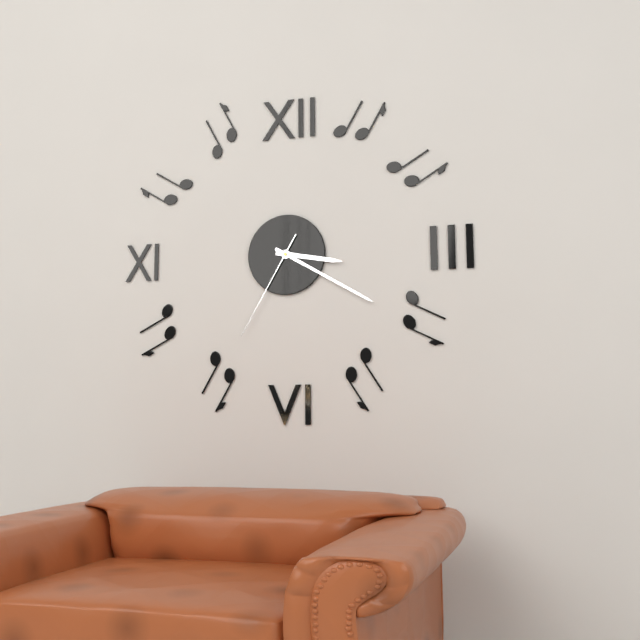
3:20:35
